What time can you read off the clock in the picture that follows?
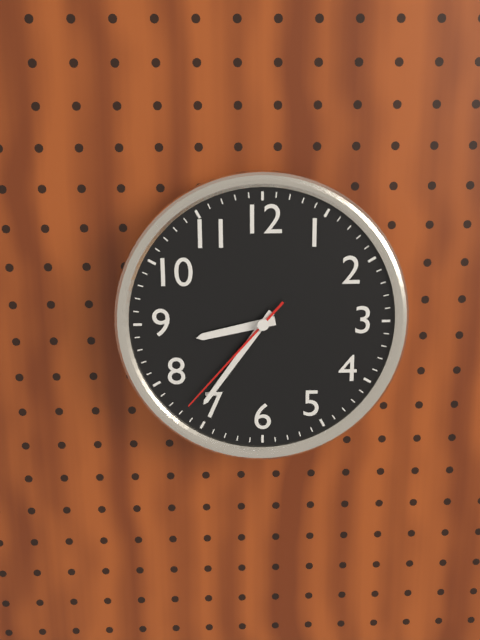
8:36:37
